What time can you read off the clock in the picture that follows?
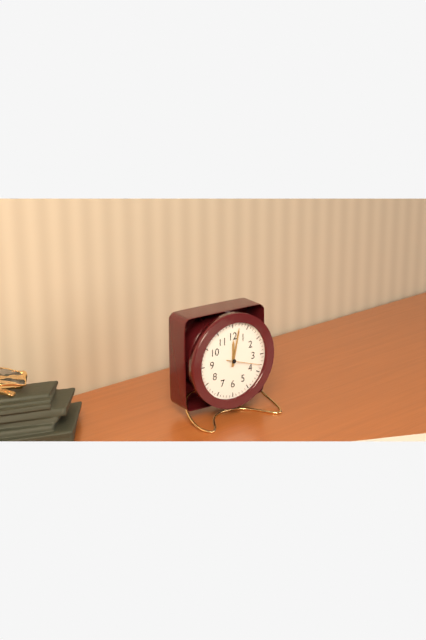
12:02
